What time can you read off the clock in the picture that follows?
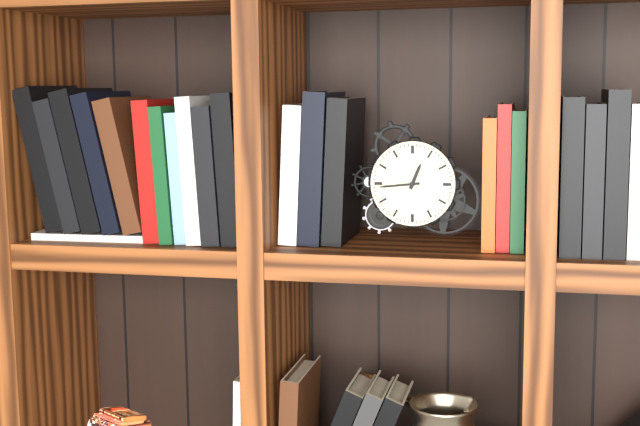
12:44
